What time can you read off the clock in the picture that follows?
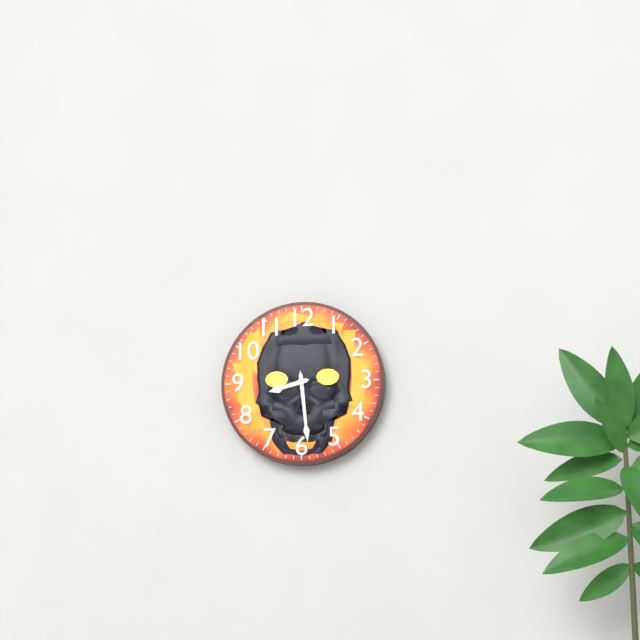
8:29
